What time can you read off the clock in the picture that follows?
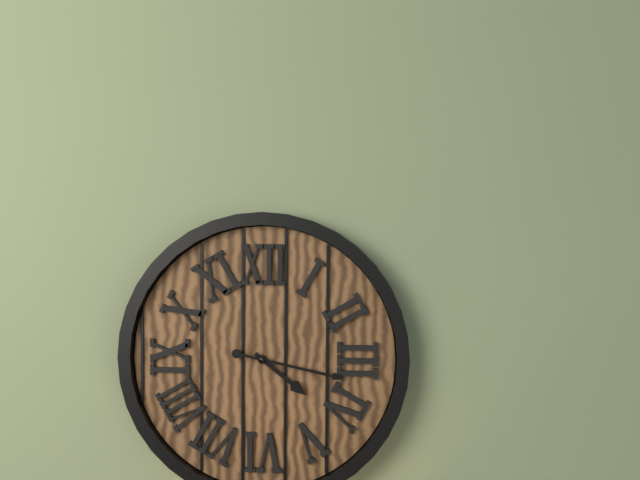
4:17
